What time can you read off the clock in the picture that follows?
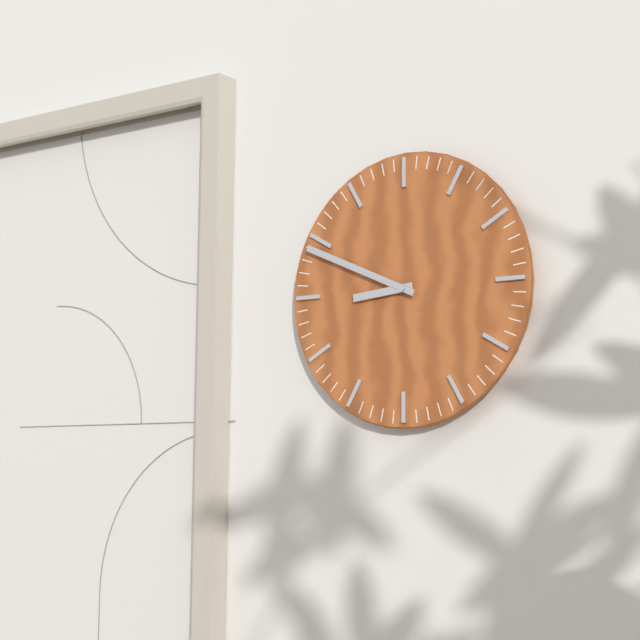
8:49
